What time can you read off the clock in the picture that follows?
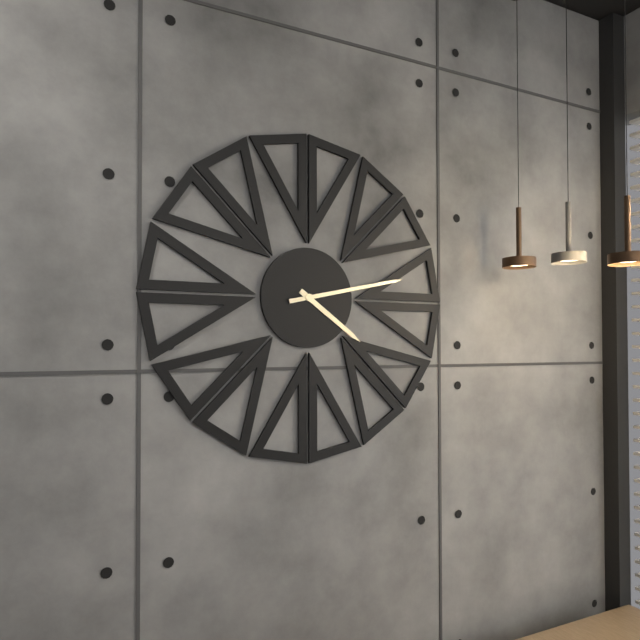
4:13
